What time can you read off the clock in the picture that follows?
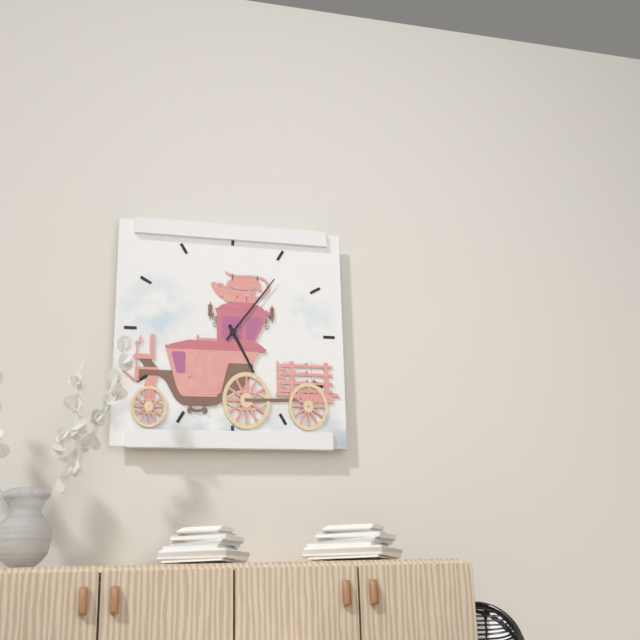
5:06
